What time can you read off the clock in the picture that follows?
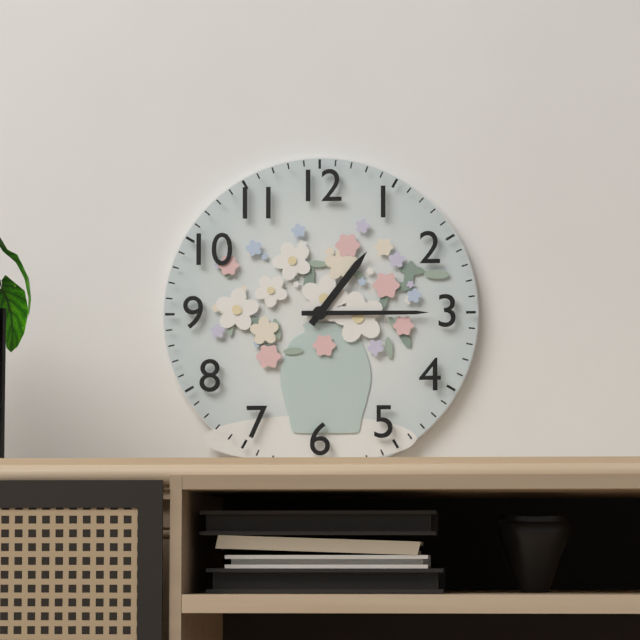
1:15
